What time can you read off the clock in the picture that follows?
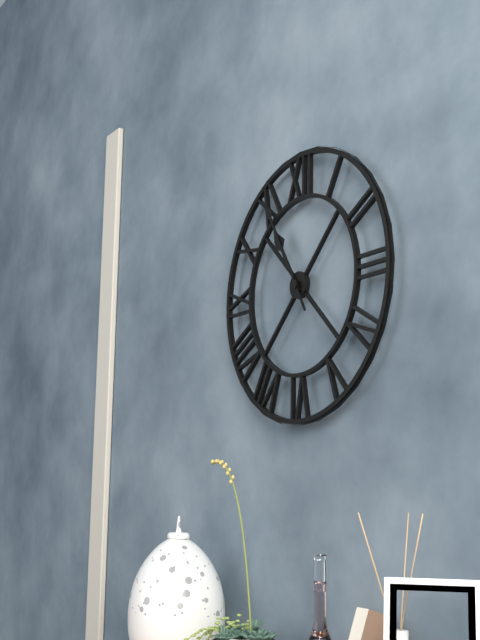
10:55
